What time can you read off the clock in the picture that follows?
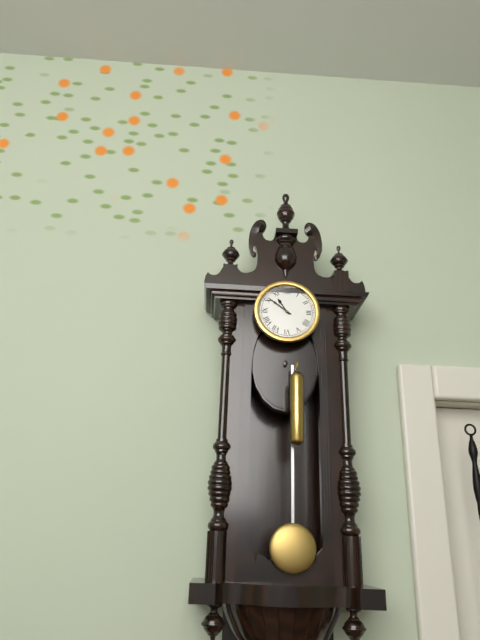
10:51
